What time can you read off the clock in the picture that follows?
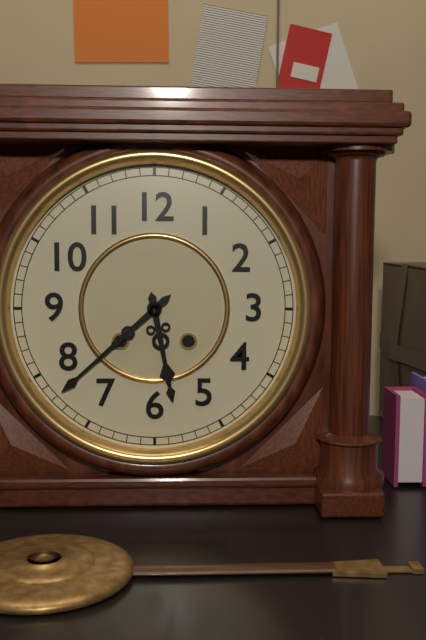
5:38
